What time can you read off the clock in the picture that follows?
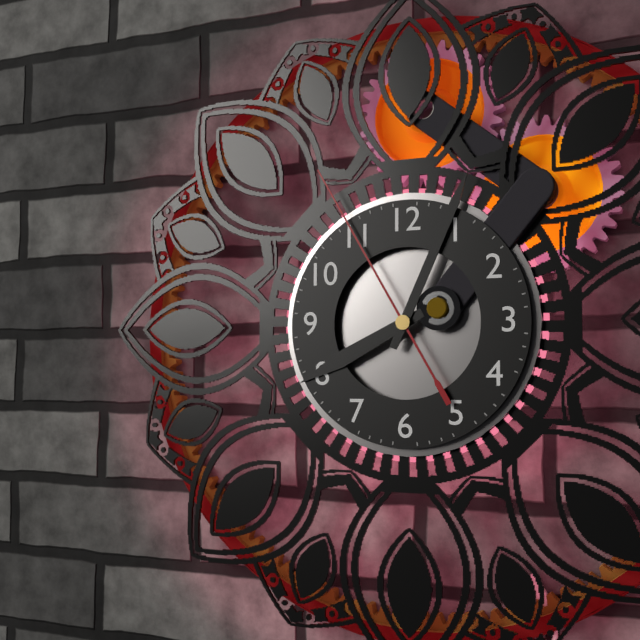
8:04:55
